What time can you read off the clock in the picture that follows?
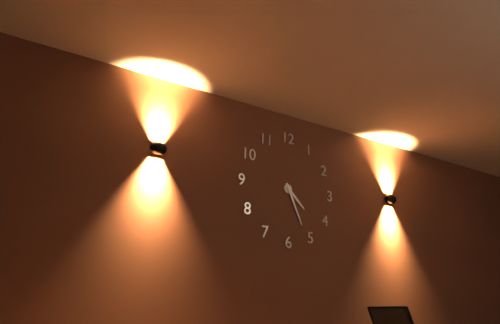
4:26
